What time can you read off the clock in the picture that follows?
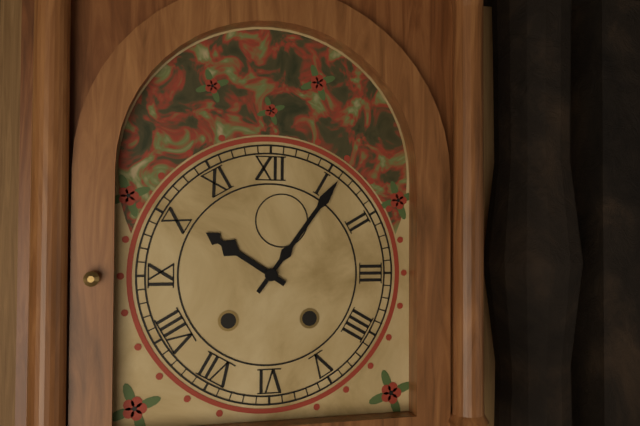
10:06
